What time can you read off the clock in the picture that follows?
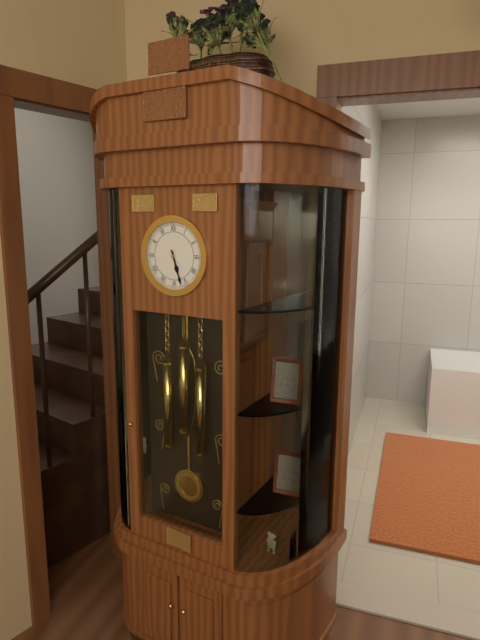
5:27
